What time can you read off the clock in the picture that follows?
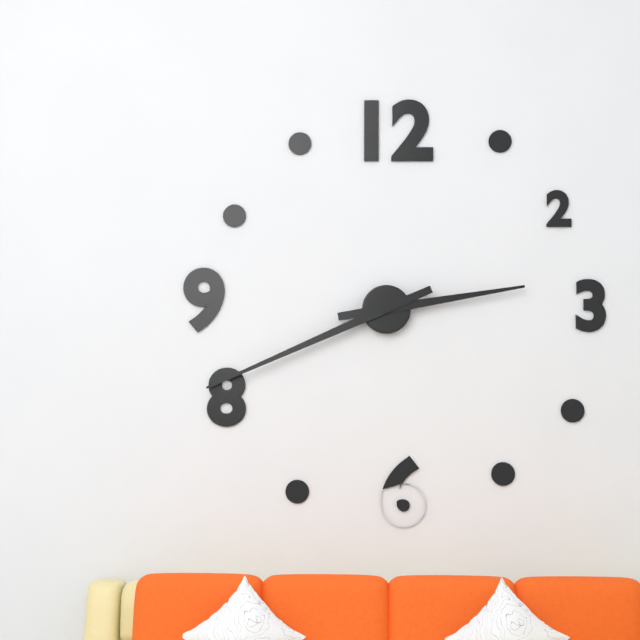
2:41
